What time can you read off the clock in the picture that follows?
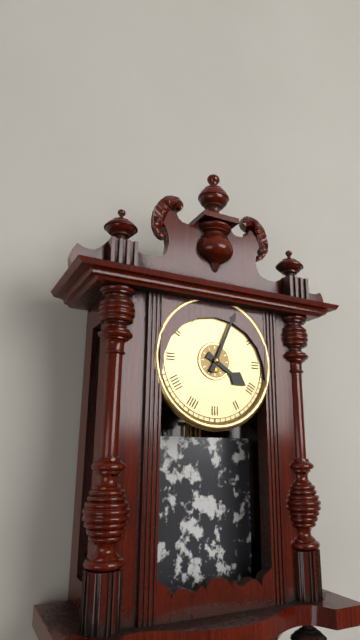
4:04
